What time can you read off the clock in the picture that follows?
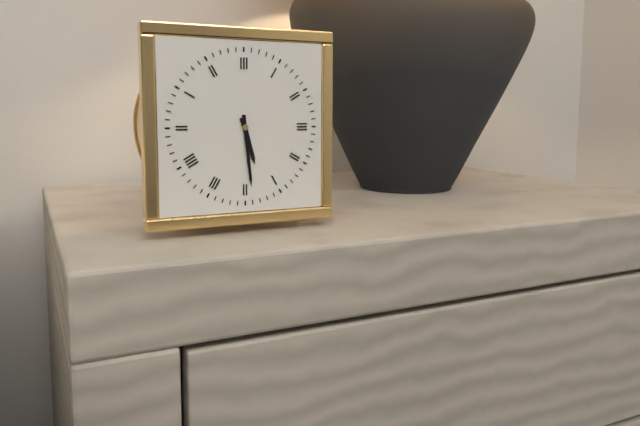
5:29
